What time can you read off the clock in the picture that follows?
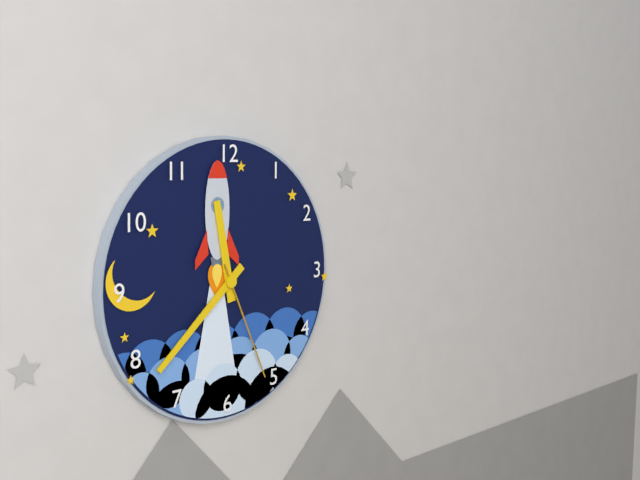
11:38:26
